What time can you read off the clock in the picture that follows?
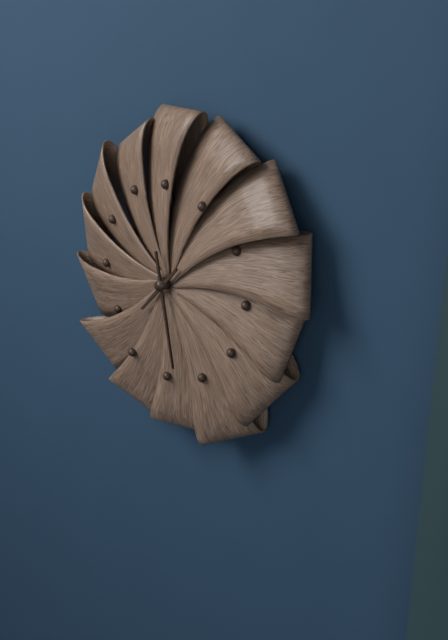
7:28
